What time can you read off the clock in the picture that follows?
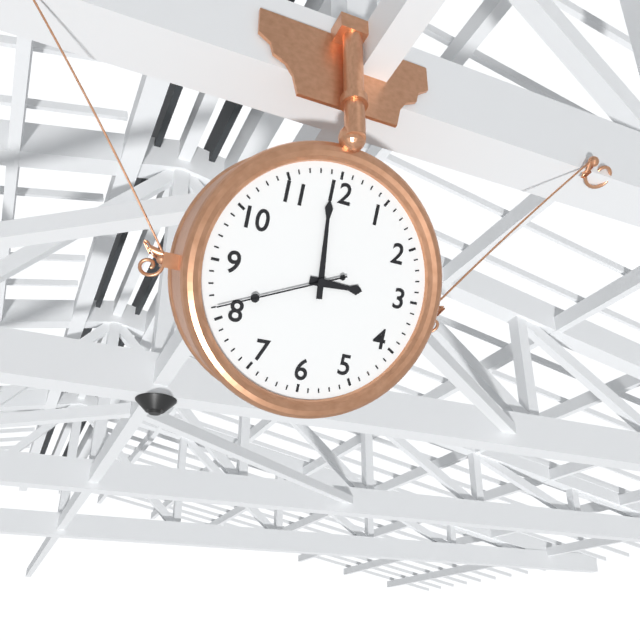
2:59:41
